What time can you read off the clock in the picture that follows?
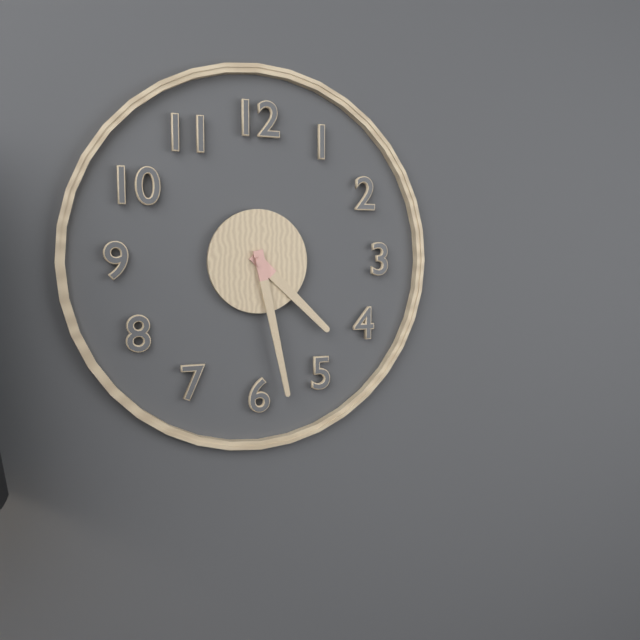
4:28
